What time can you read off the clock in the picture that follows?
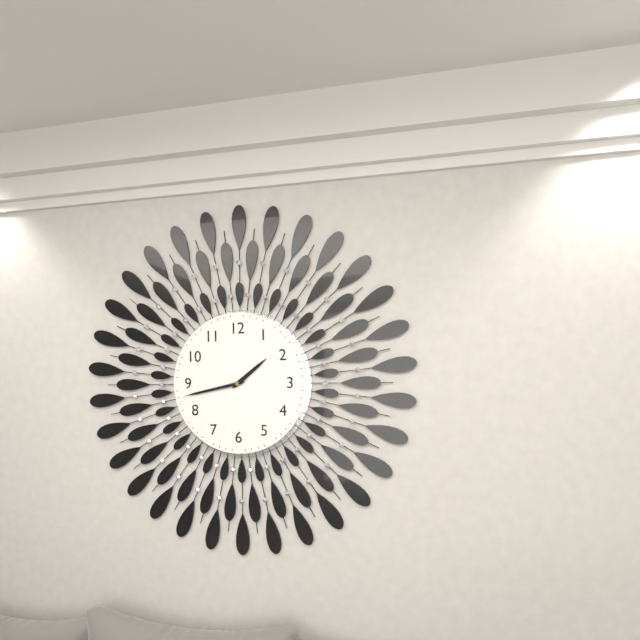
1:43
